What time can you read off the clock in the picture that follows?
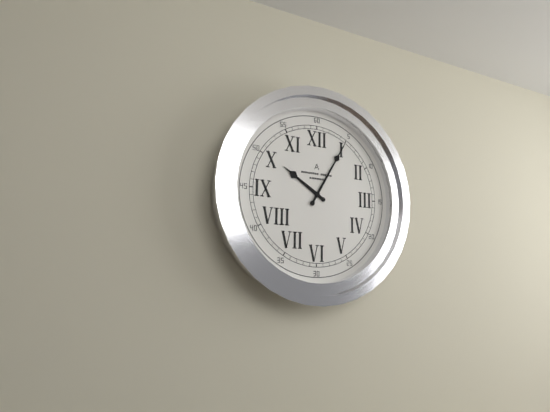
10:05
